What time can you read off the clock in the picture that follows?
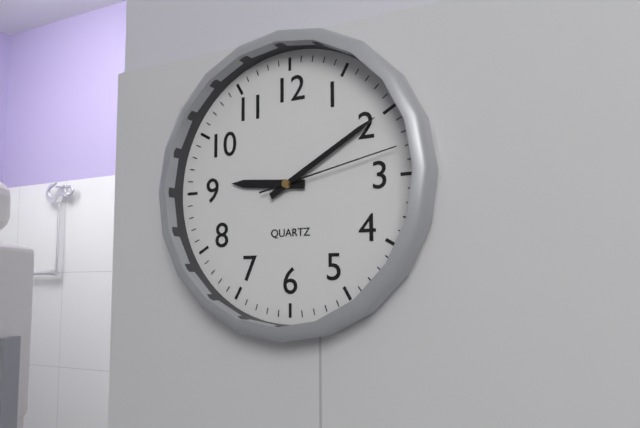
9:10:13
